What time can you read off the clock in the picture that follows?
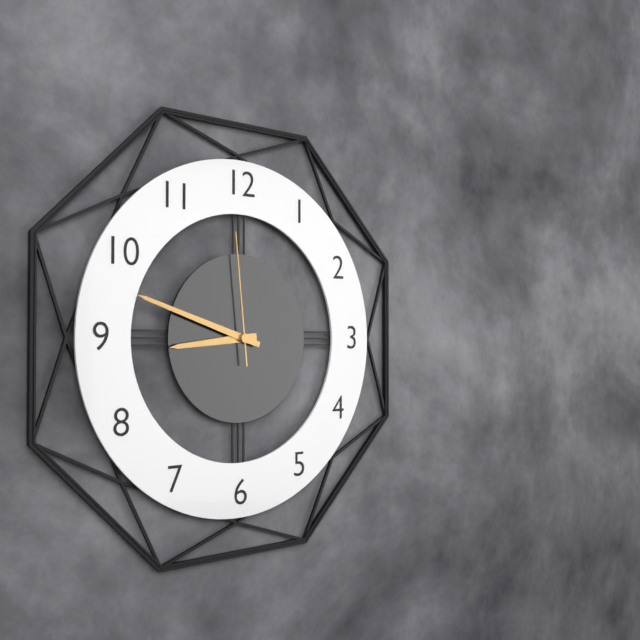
8:48:59
